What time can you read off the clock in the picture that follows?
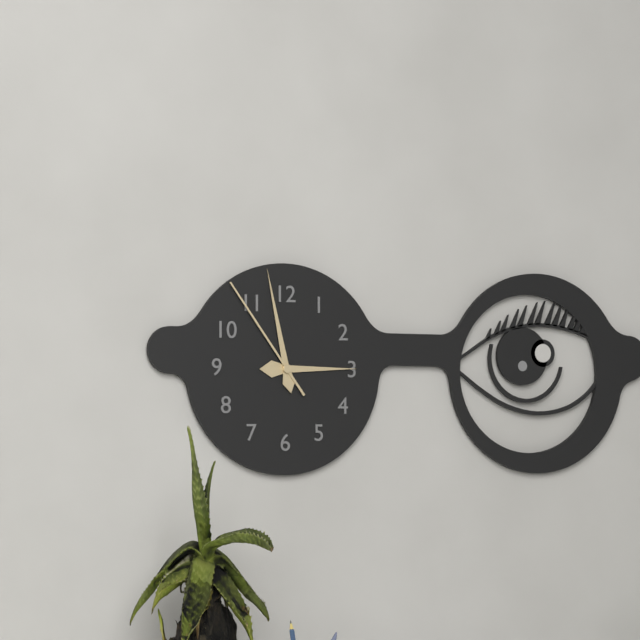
2:58:54
